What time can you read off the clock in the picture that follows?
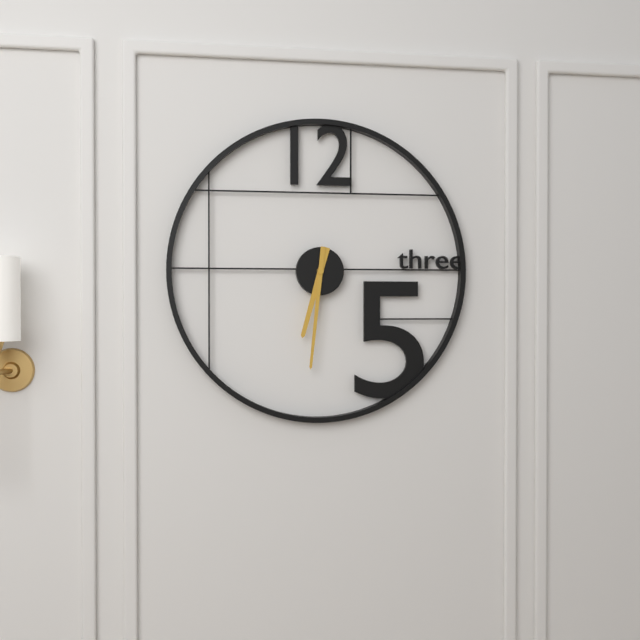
6:31
